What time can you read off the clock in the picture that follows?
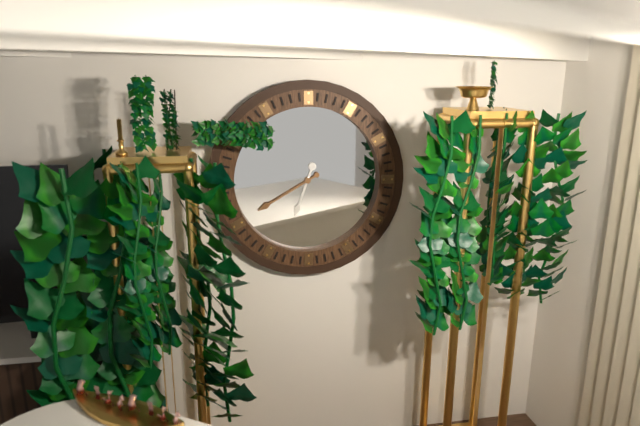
6:40
